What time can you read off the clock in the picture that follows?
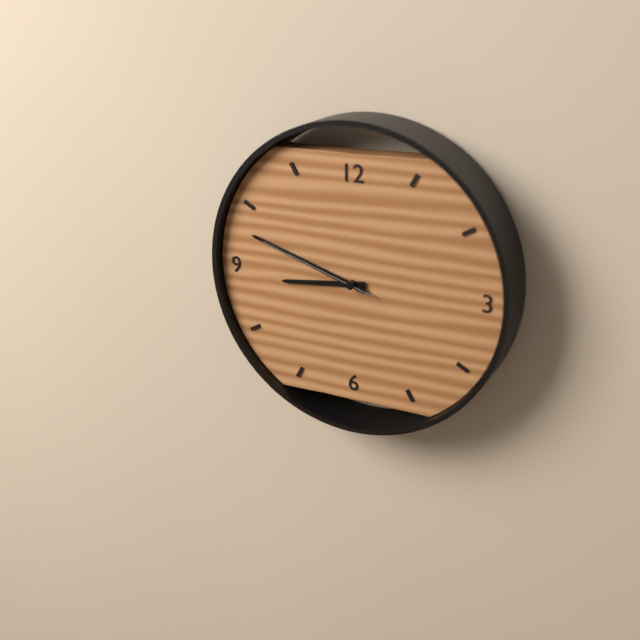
8:48:48
